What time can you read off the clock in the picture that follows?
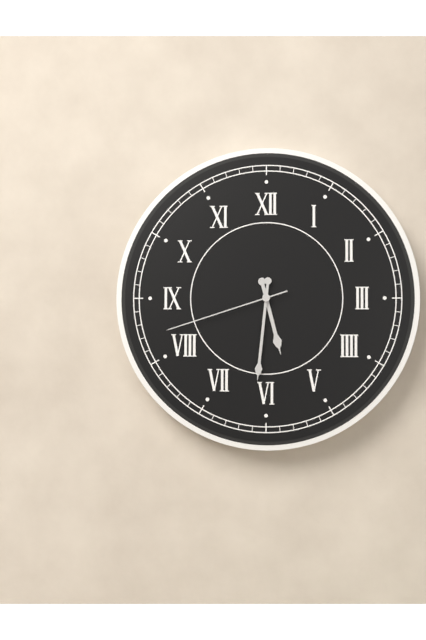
5:31:42
